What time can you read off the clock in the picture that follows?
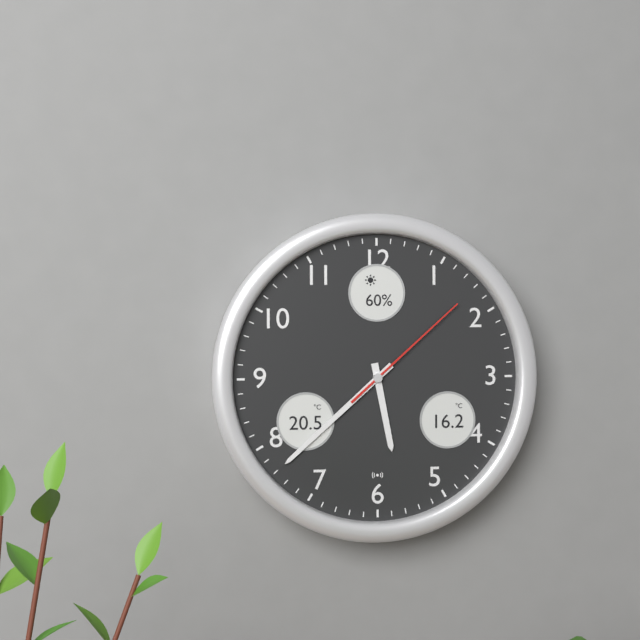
5:38:08
